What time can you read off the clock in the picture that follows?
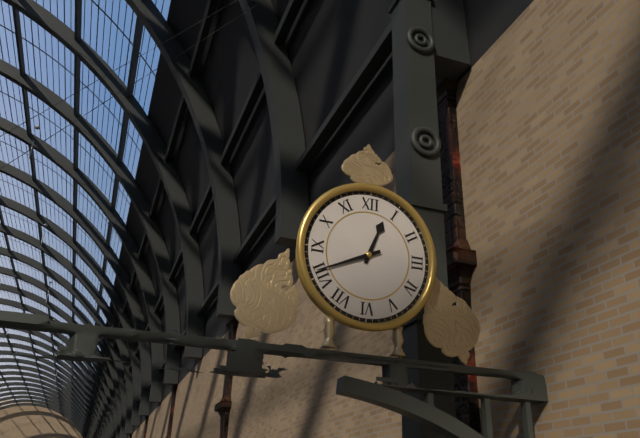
12:41
